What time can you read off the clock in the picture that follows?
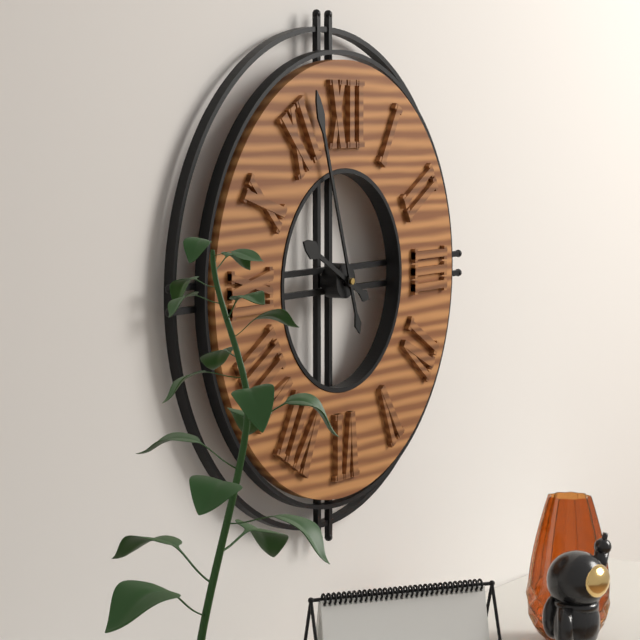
9:57
